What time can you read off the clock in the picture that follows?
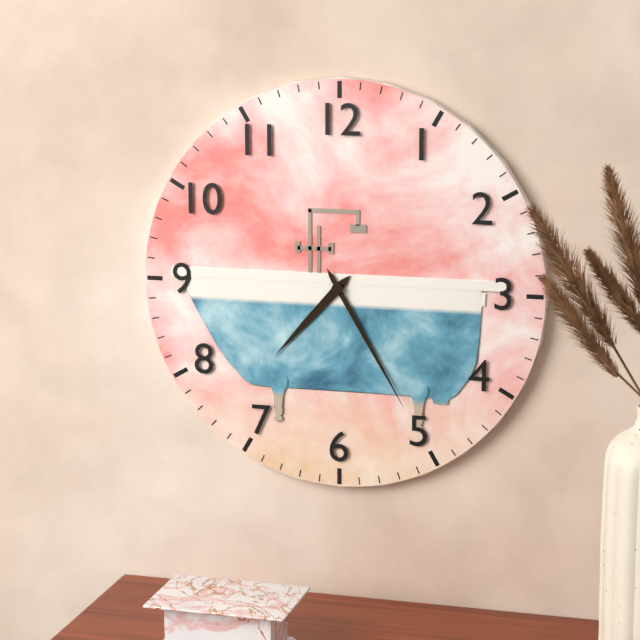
7:25
